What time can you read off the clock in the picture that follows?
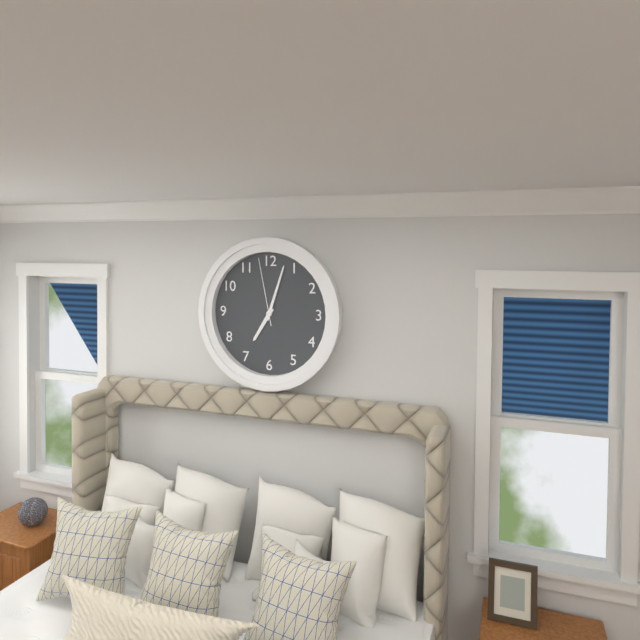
7:03:58
